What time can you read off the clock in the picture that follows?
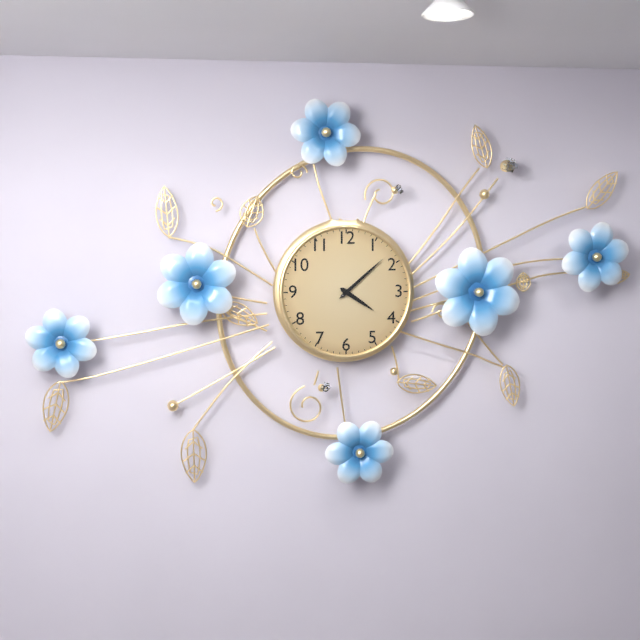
4:08
